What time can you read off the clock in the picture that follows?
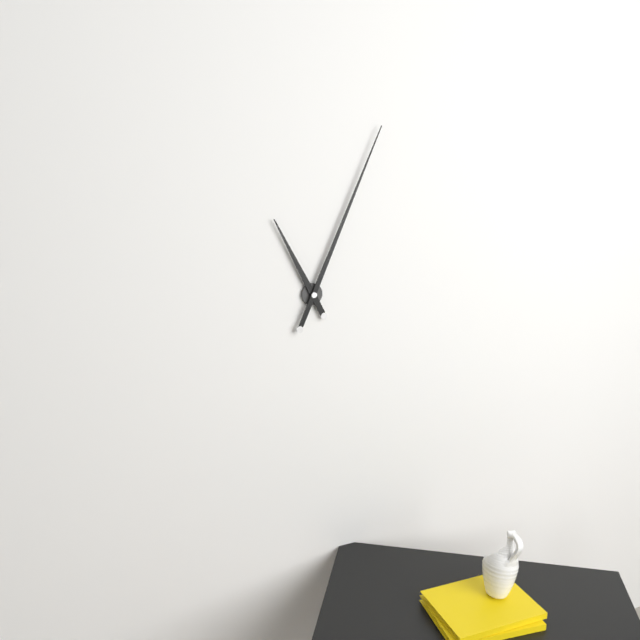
11:04
